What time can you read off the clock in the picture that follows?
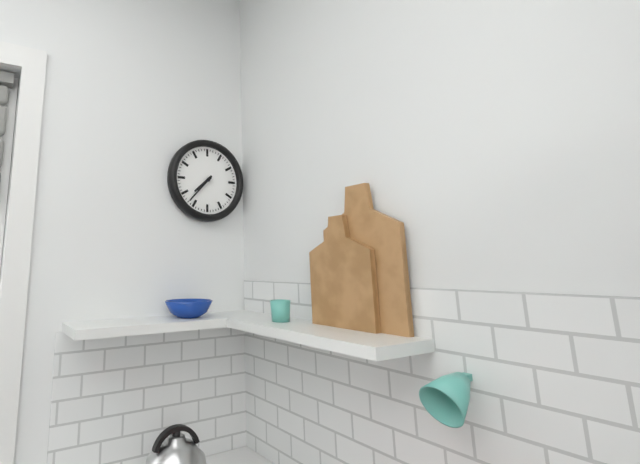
7:37
